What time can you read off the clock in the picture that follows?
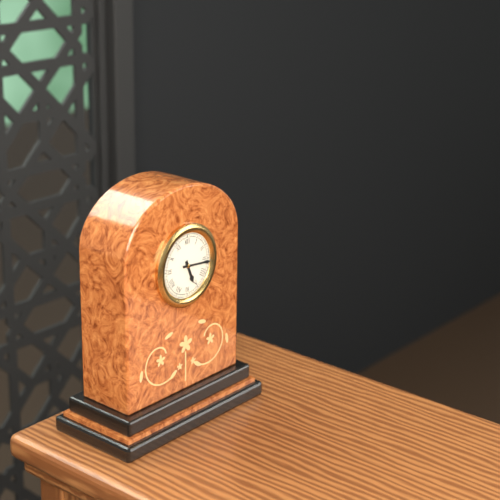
5:16
